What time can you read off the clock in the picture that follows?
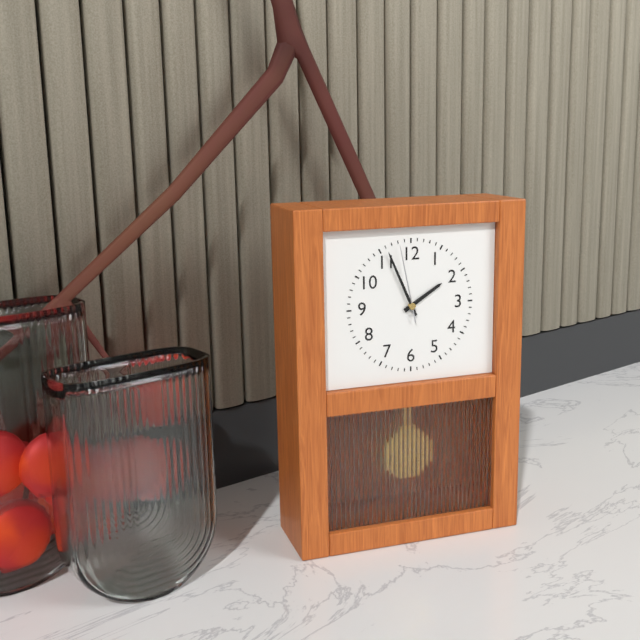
1:56:58
